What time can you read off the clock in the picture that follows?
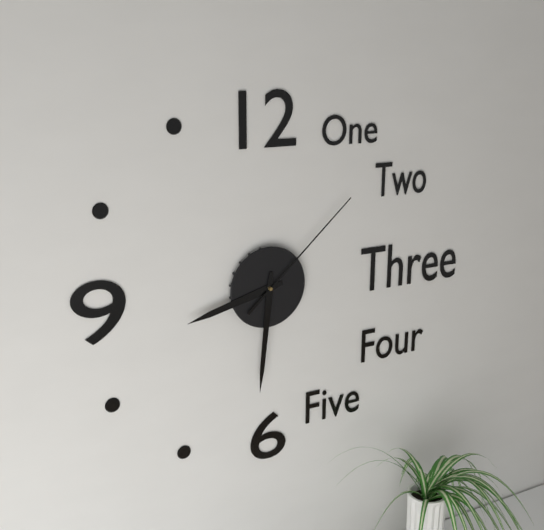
8:31:08
